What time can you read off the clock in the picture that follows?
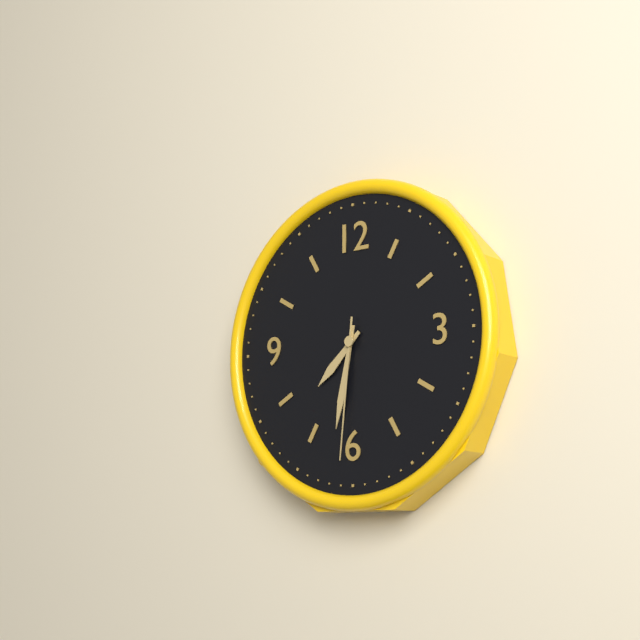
7:32:31
